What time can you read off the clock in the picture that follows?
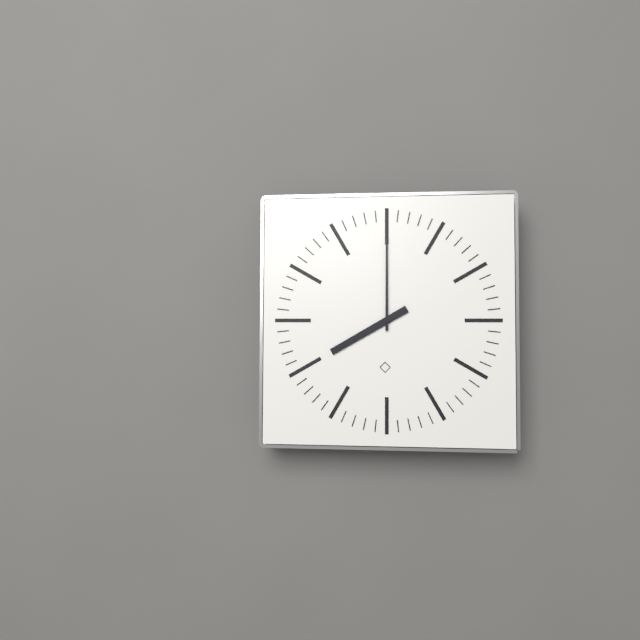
8:00
